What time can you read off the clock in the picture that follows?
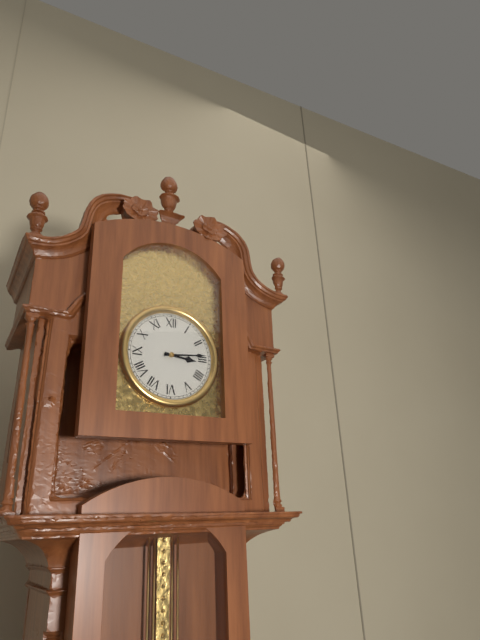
3:14
